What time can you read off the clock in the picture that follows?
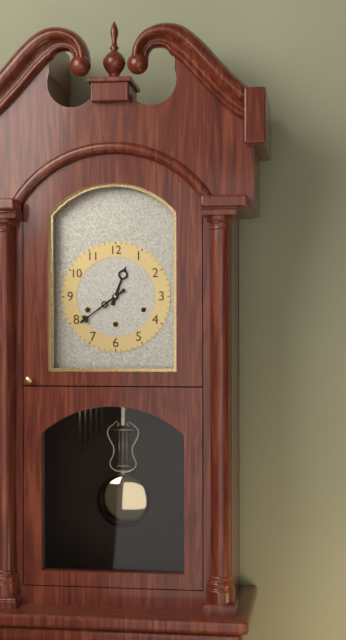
12:39
